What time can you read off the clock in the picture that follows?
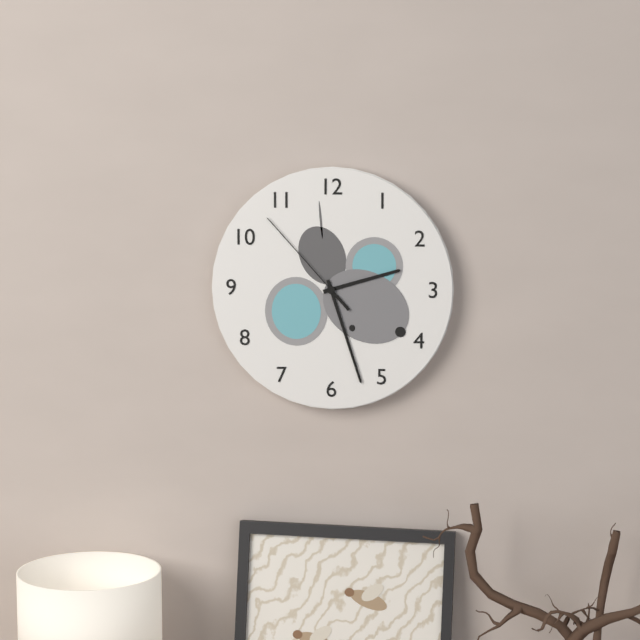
2:27:53
